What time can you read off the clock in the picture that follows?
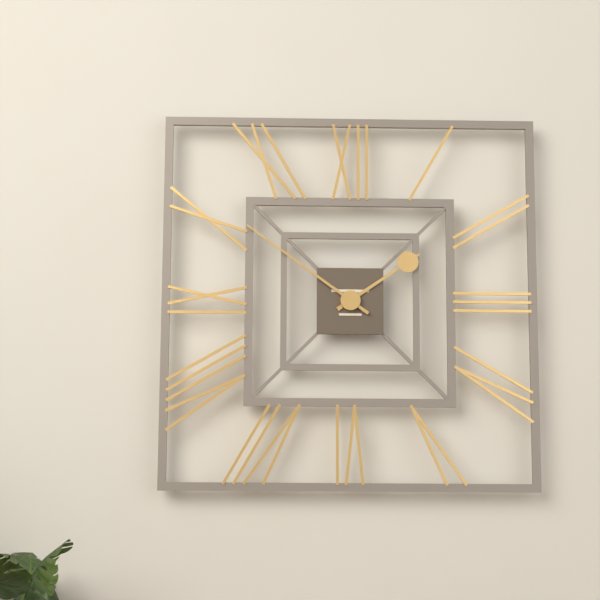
1:51
